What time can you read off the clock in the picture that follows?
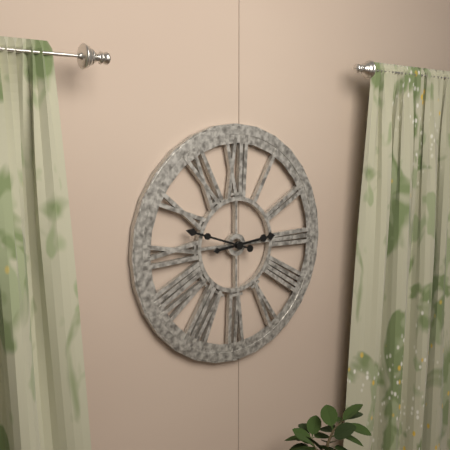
2:48
